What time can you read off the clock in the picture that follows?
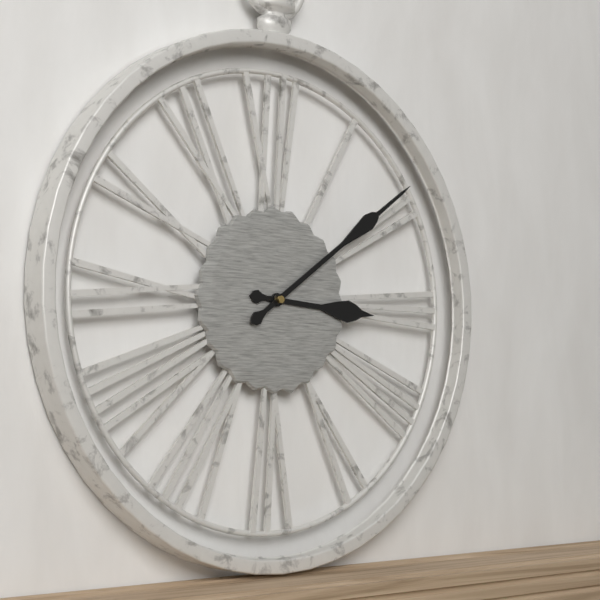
3:09
